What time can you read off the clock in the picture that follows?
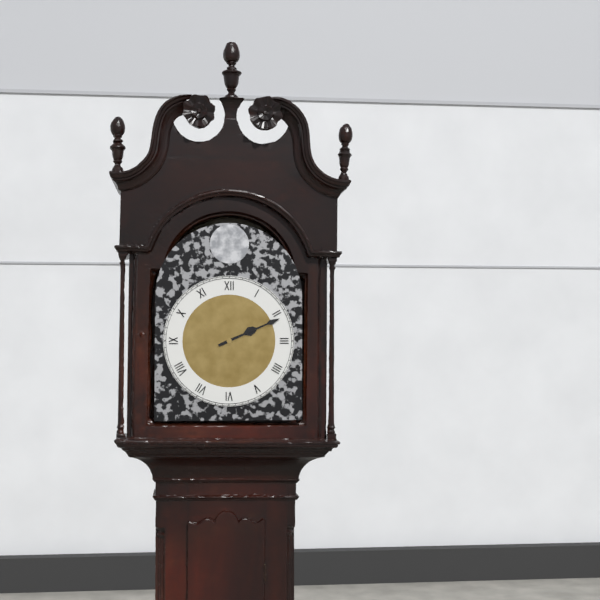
2:11
